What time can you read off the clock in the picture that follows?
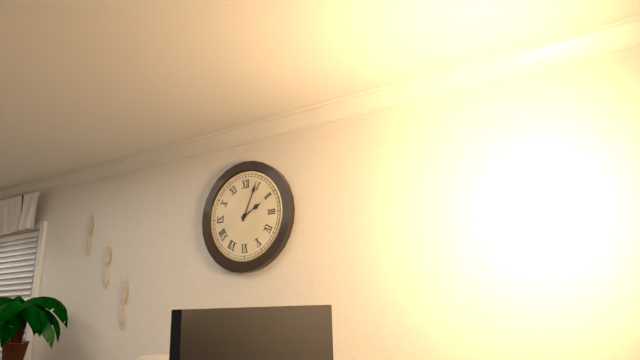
2:04
